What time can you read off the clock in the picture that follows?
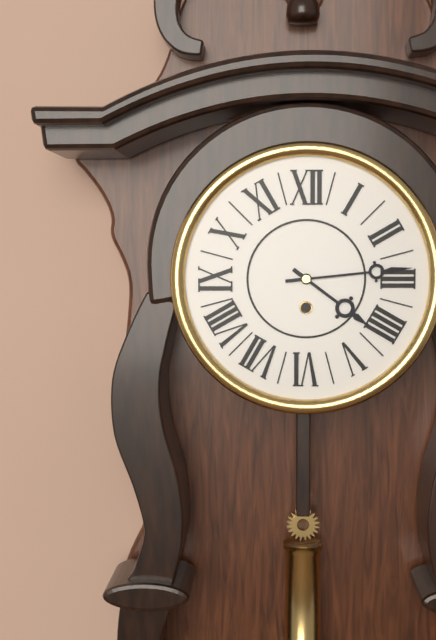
4:14
